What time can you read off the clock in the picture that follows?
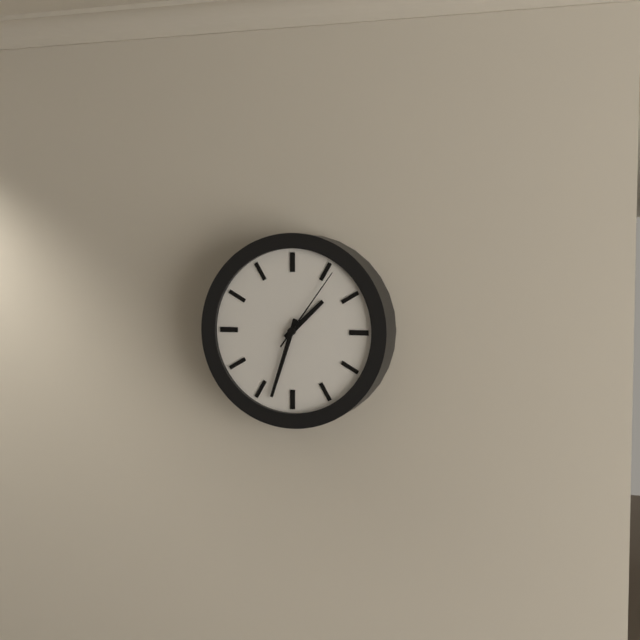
1:33:06
